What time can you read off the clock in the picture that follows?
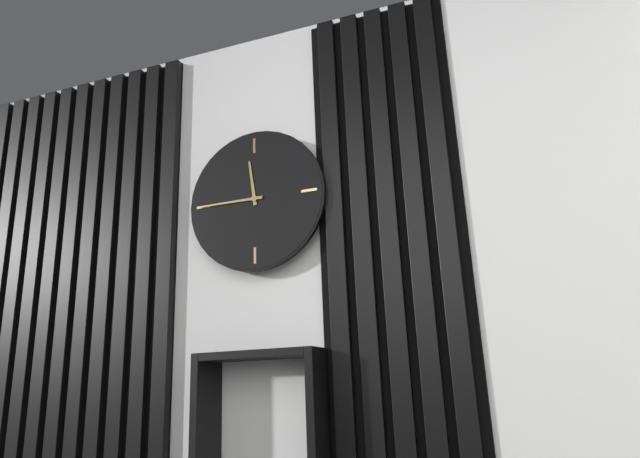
11:45
